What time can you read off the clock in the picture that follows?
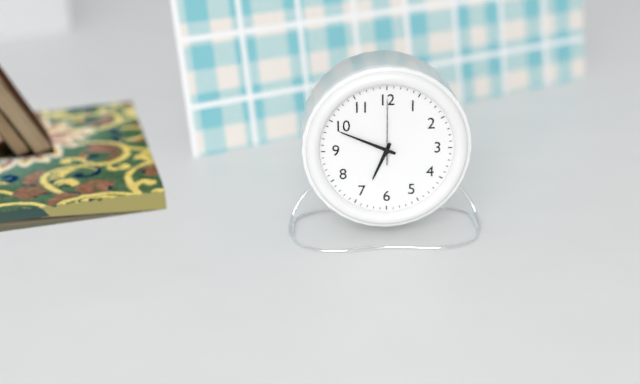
6:49:00
